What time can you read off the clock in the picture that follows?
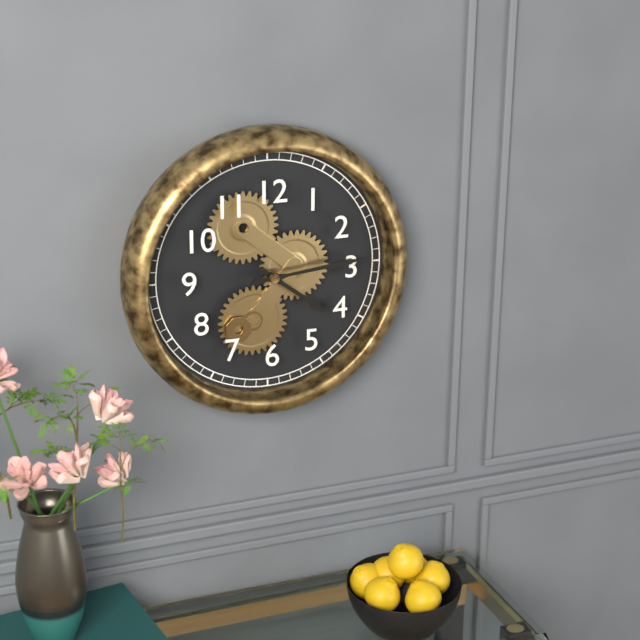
4:14
